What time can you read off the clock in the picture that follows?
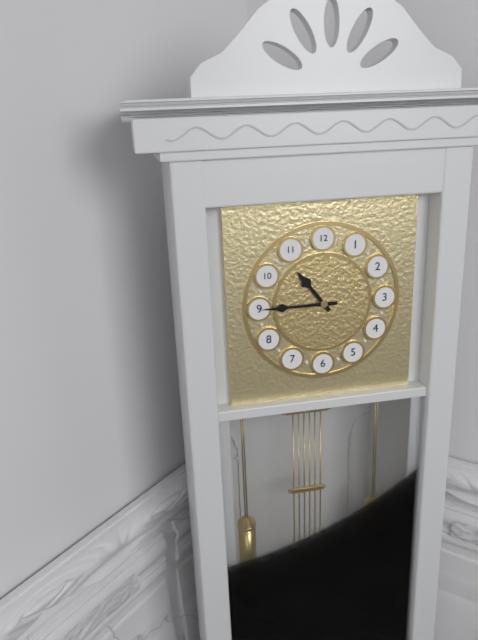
10:45
